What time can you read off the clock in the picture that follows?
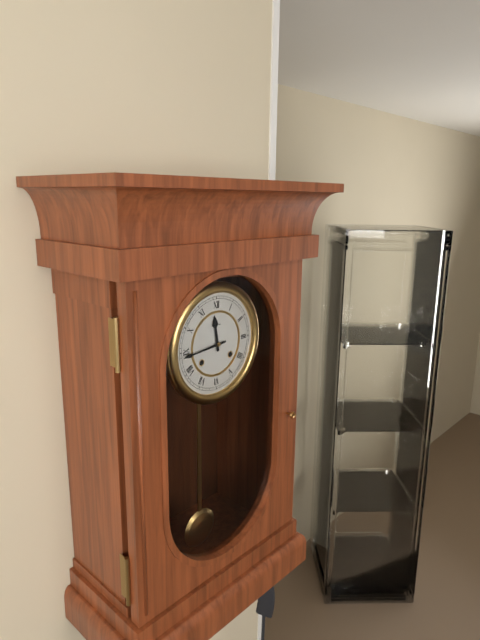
11:44
